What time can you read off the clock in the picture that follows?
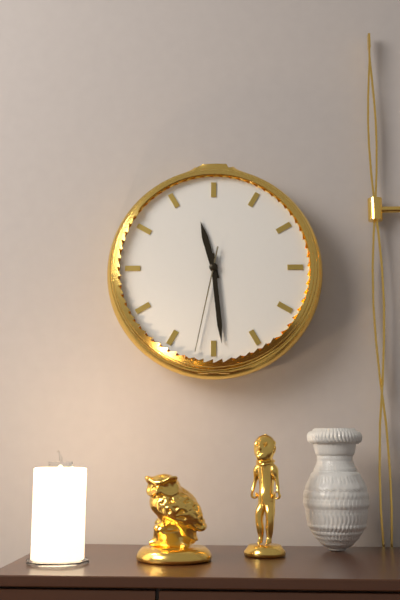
11:29:32
